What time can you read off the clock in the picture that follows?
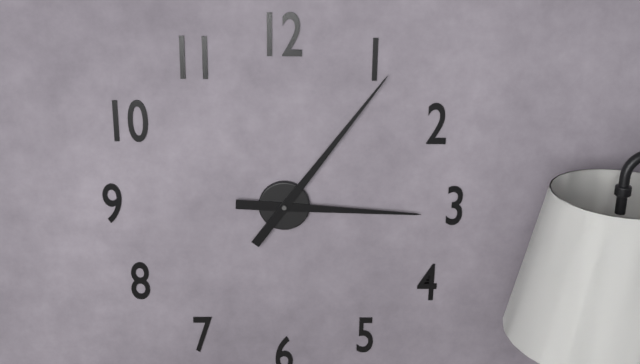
3:06
